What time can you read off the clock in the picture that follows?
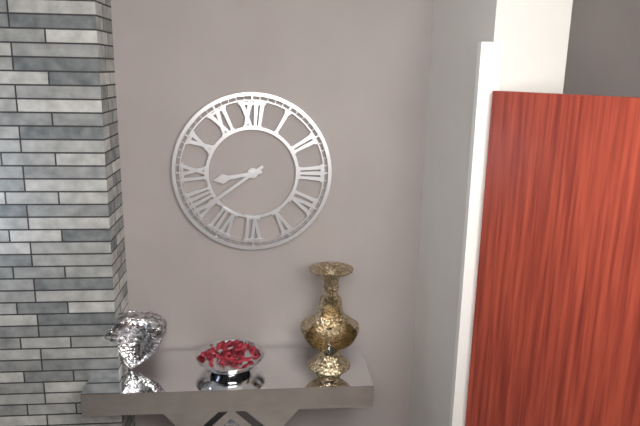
8:39
